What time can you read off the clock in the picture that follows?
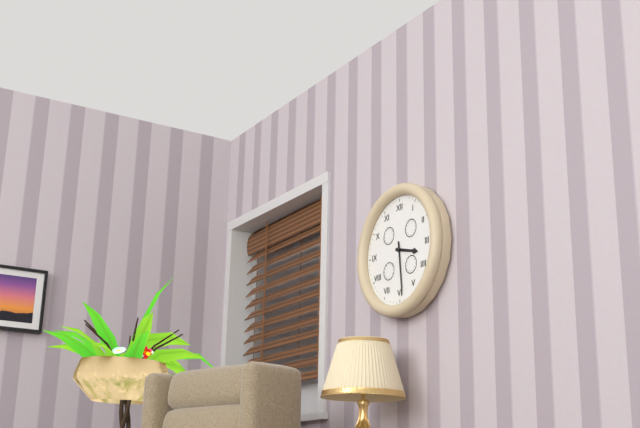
3:29
